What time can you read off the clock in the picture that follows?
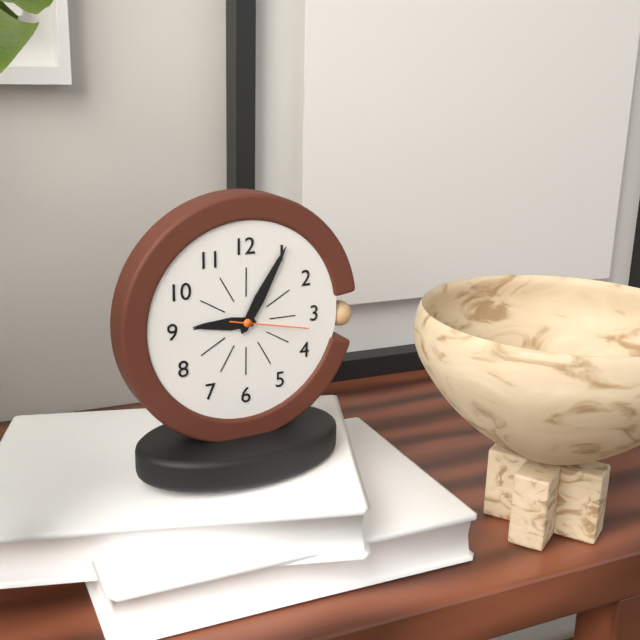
9:05:17
